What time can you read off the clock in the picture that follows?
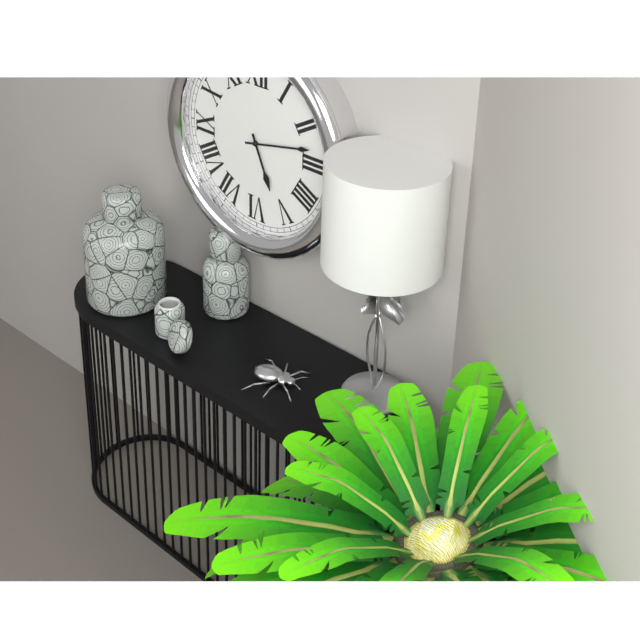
5:13
